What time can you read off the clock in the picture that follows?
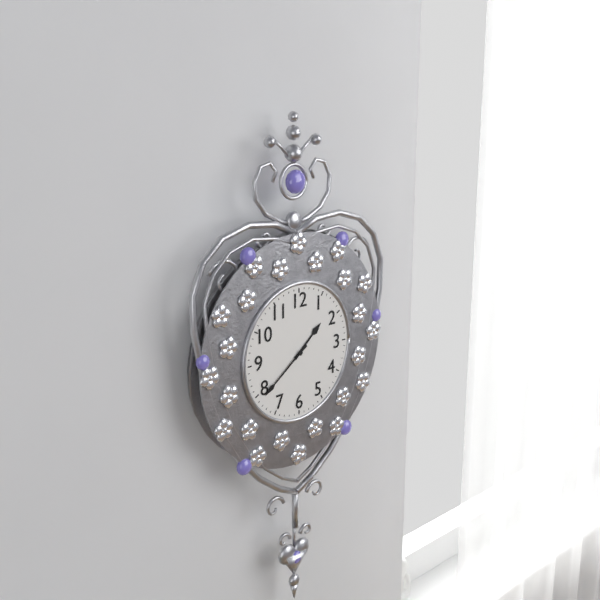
1:39
